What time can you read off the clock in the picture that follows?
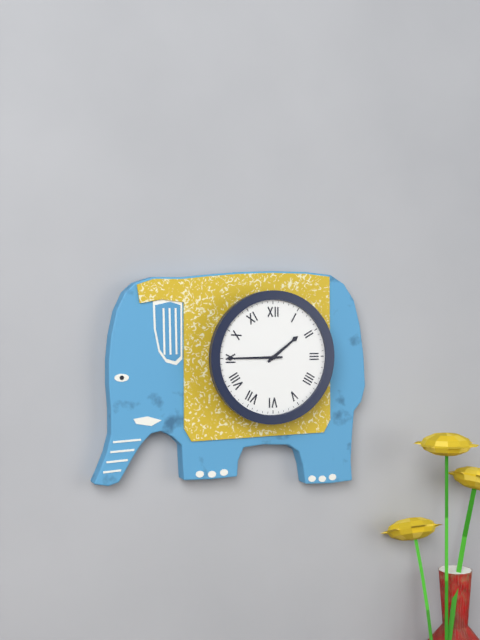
1:45
